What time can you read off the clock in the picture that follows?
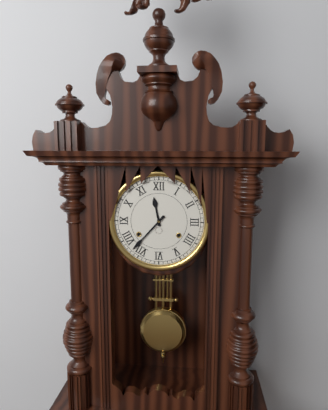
11:37
